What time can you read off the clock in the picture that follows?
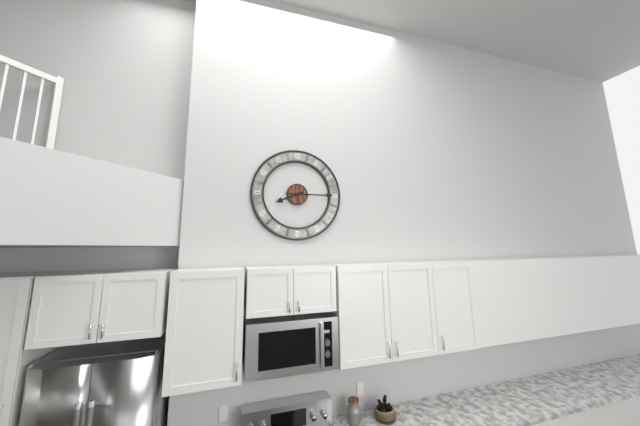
8:15
